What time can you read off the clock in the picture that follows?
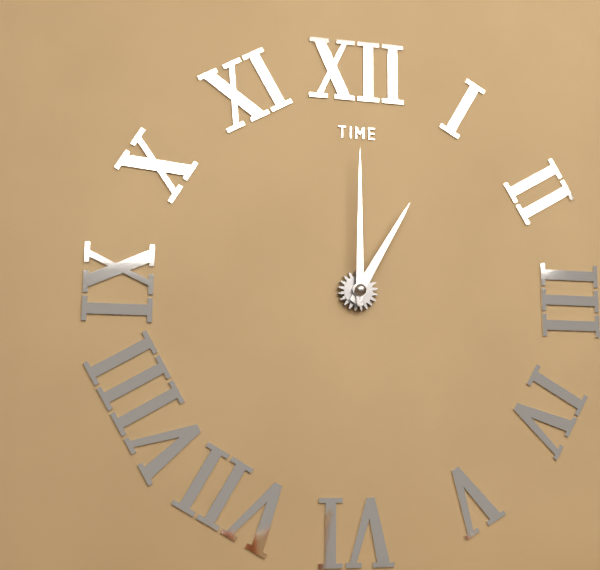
1:00
